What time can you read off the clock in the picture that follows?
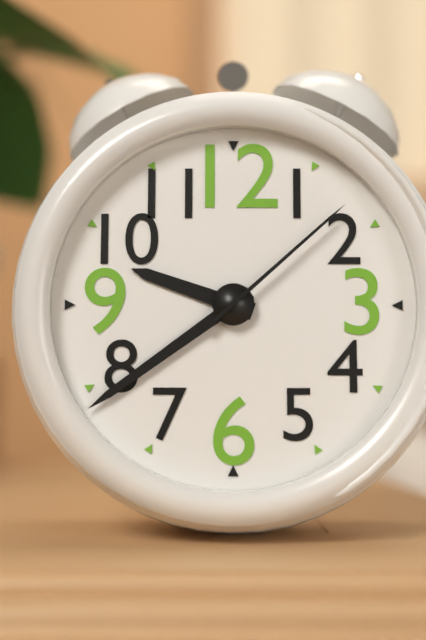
9:39:08
